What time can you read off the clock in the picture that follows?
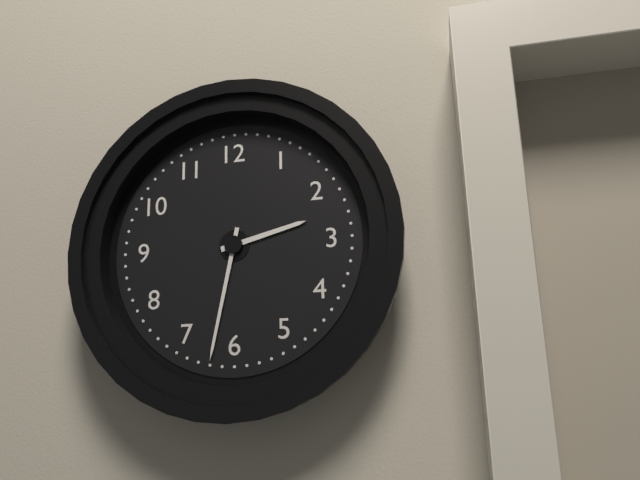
2:32
